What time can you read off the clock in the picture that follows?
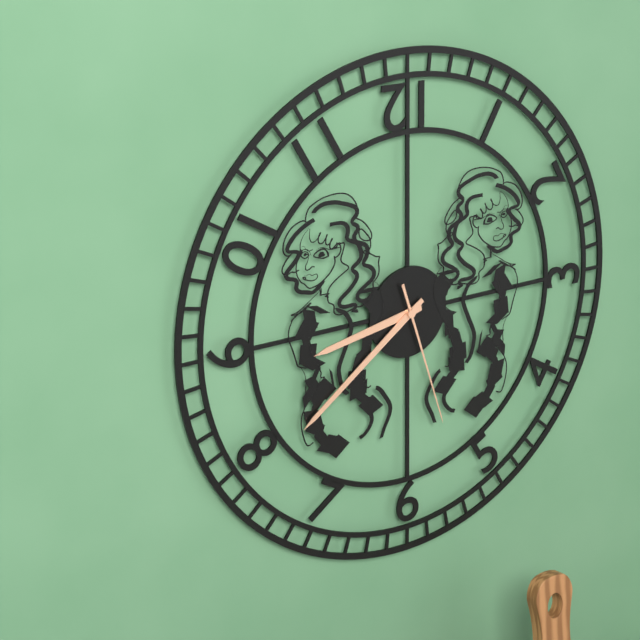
8:39:27
